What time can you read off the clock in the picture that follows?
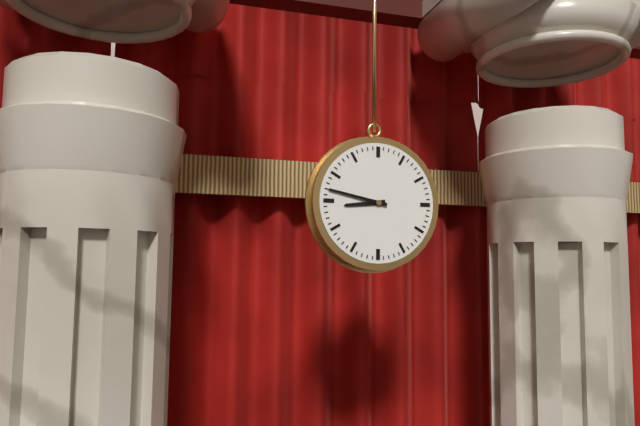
8:47
